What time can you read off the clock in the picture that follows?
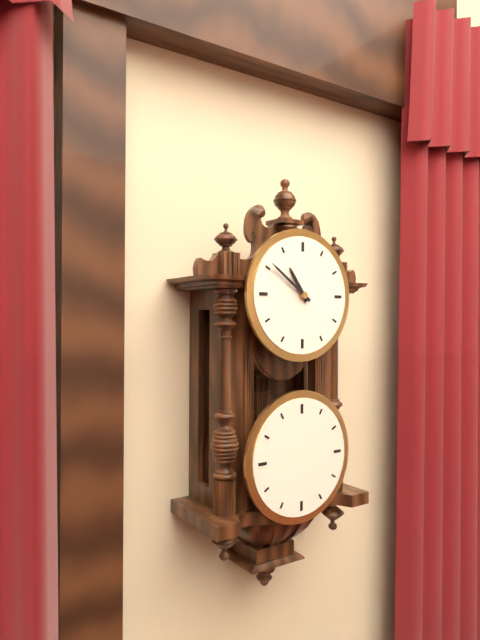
10:51
